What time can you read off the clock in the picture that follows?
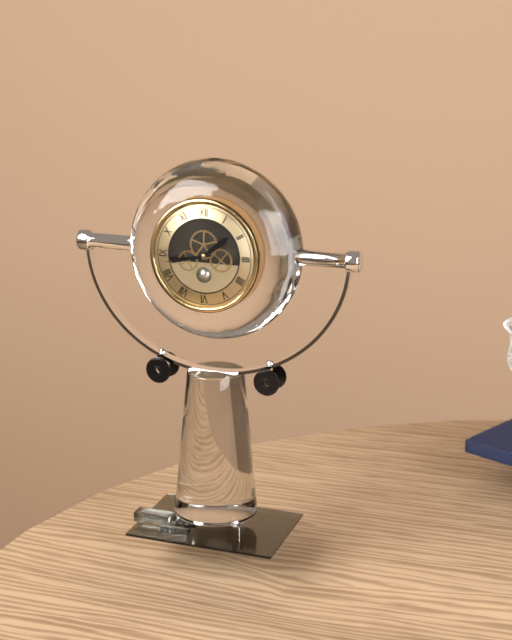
1:43
